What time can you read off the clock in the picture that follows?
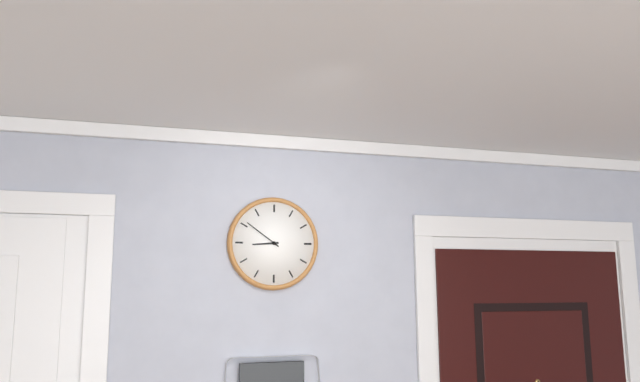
8:51
